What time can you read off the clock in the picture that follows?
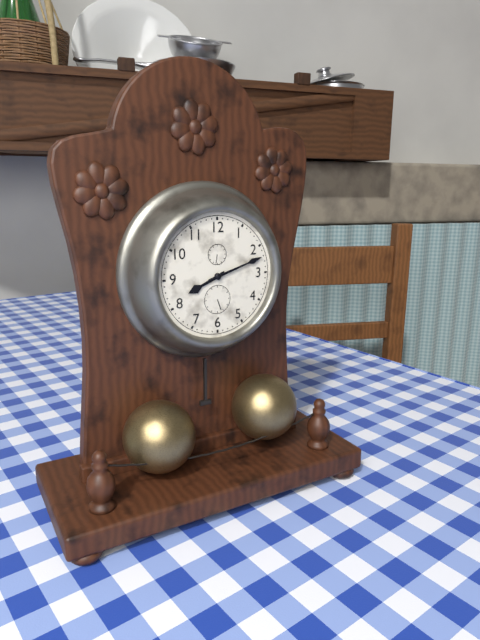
8:12
